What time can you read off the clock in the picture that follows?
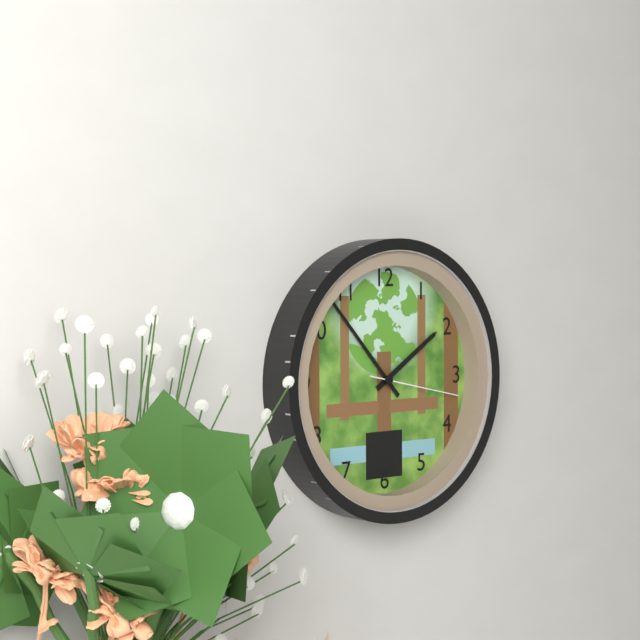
1:53:17
